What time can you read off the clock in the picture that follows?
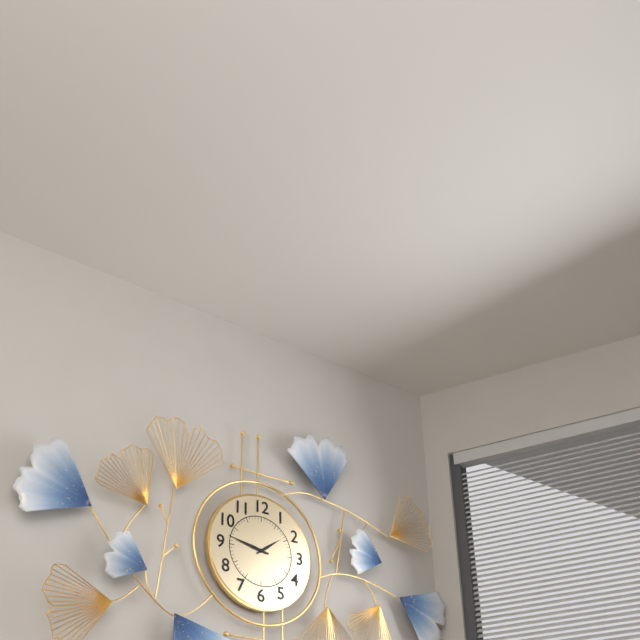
1:47
